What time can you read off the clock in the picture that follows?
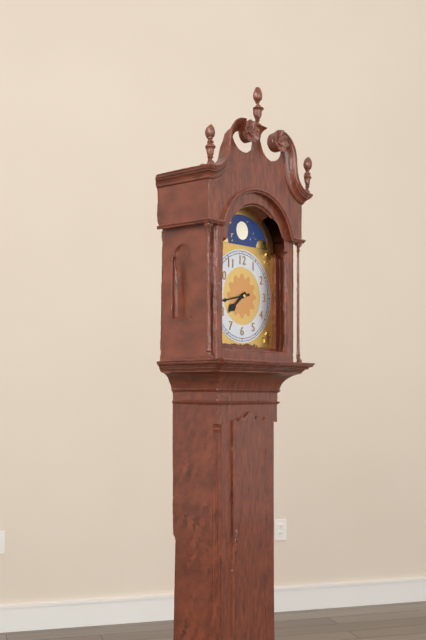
7:43
